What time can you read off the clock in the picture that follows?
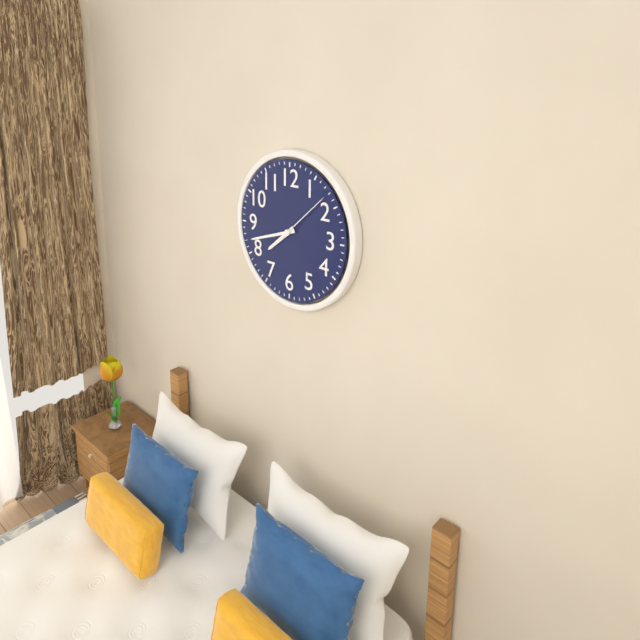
7:42:08
